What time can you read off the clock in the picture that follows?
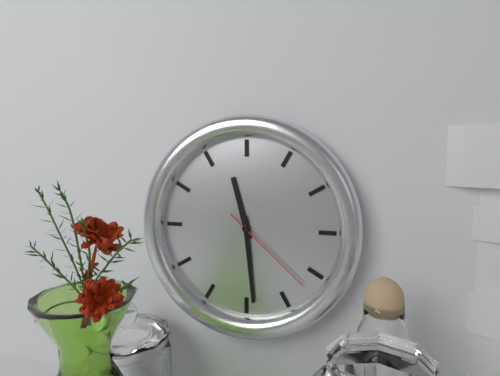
11:29:22
